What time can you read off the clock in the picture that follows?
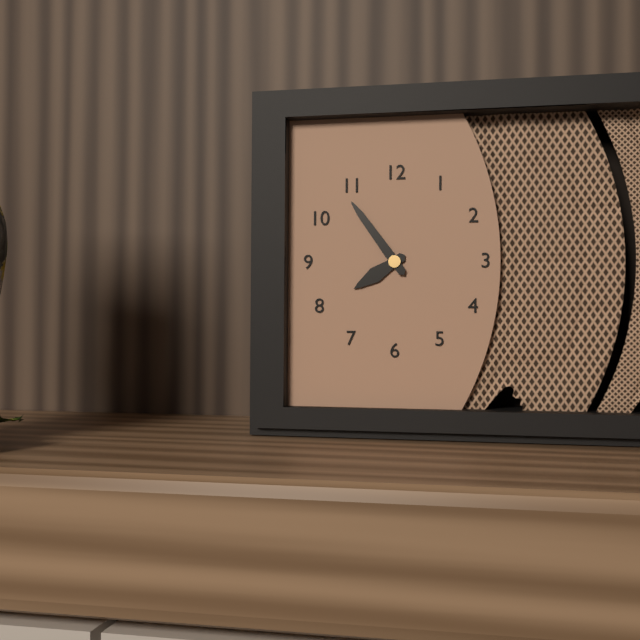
7:54
